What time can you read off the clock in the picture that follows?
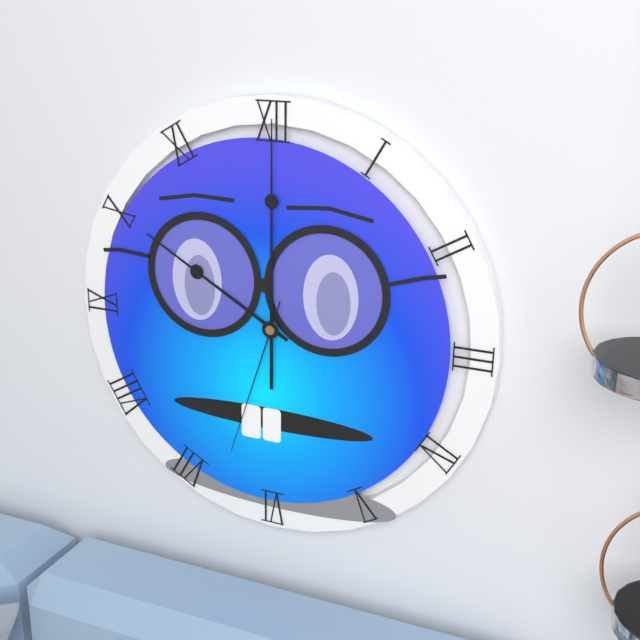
10:00:33
